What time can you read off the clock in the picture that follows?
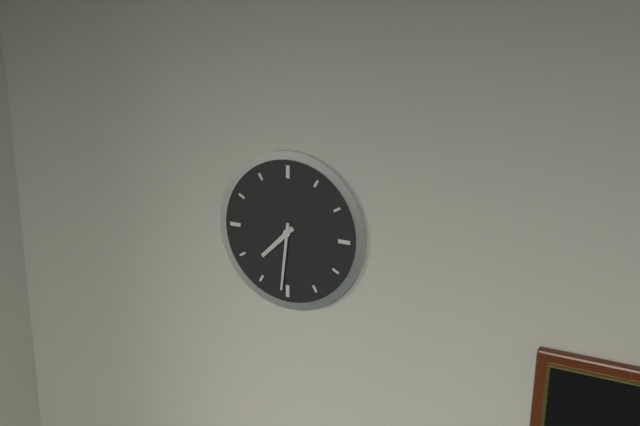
7:31
